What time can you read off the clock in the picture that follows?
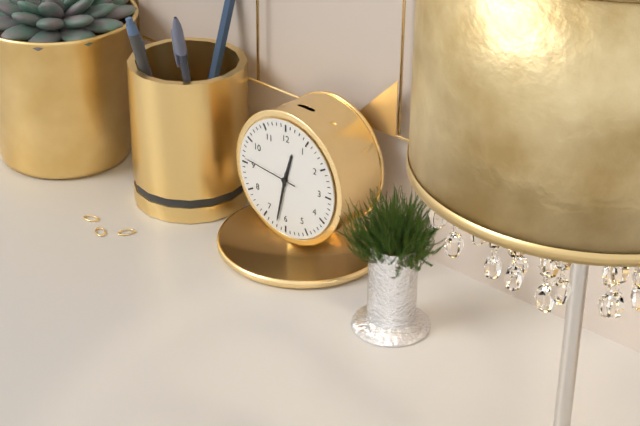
12:32:46
